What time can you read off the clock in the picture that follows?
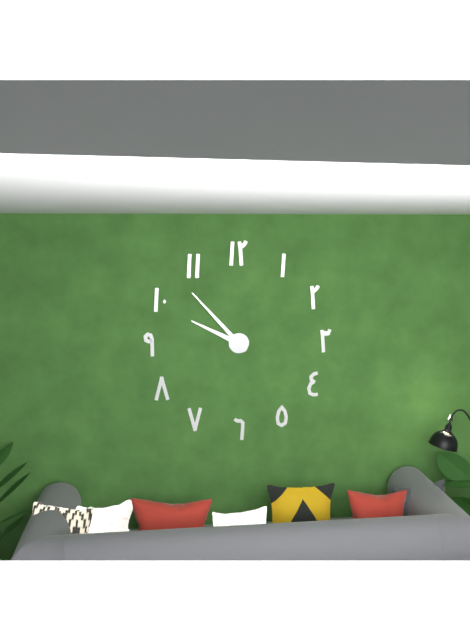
9:53
